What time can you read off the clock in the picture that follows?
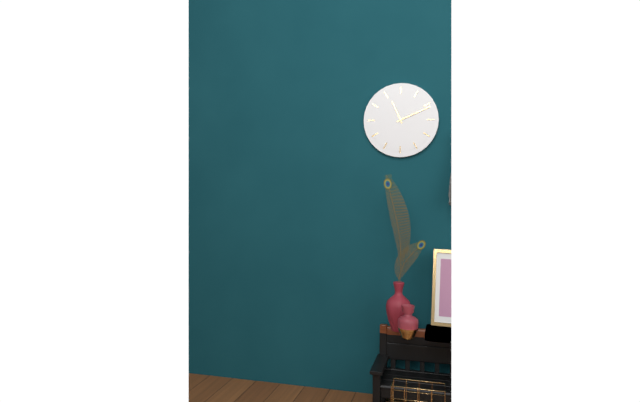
11:11
